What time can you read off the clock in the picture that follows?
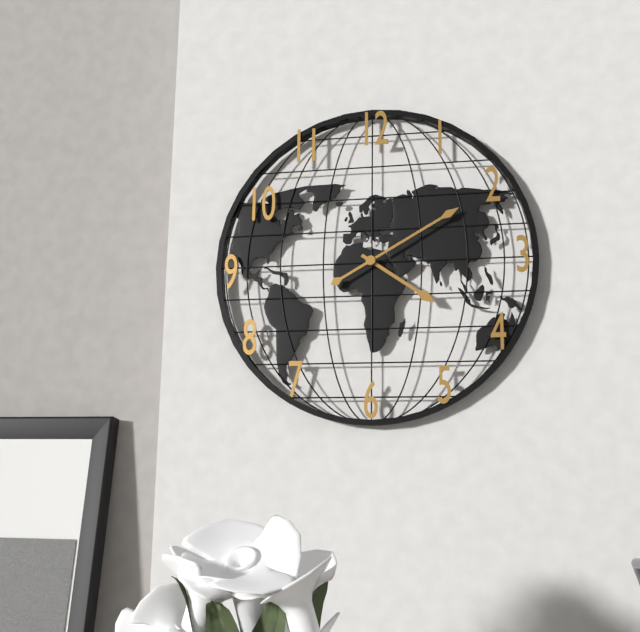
4:10
